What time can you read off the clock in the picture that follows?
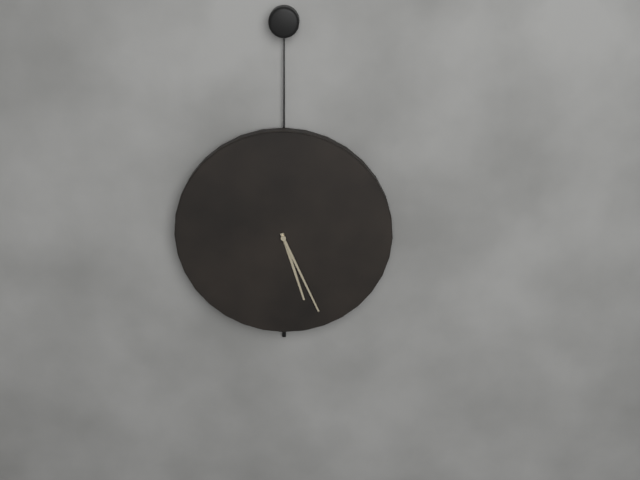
5:26
